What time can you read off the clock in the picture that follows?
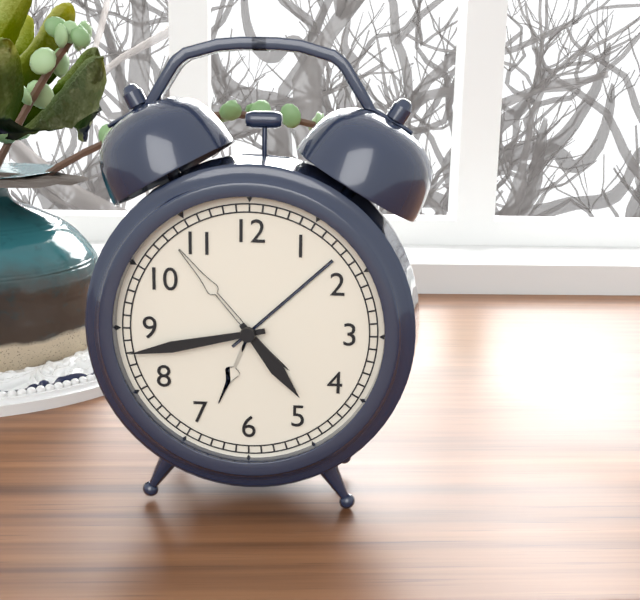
4:43
